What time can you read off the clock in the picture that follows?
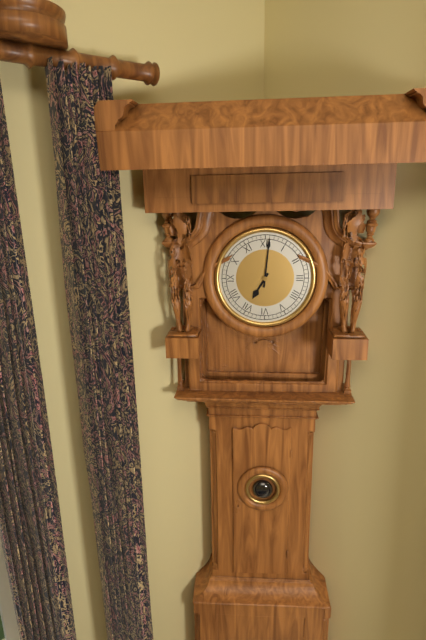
7:01
